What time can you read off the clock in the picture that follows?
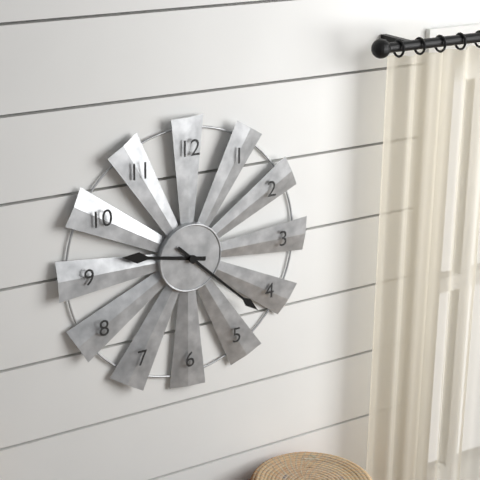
9:22
